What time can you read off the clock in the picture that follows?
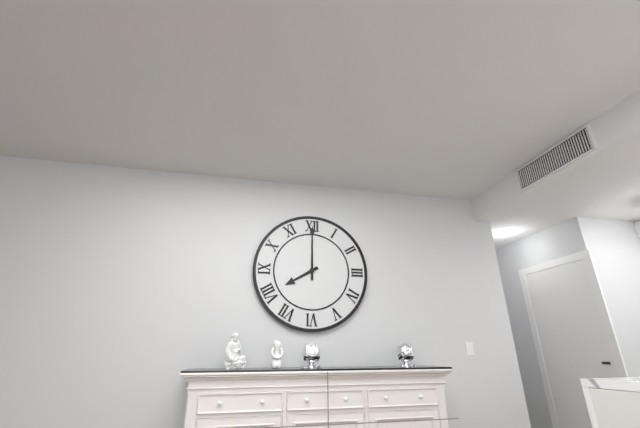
8:00
